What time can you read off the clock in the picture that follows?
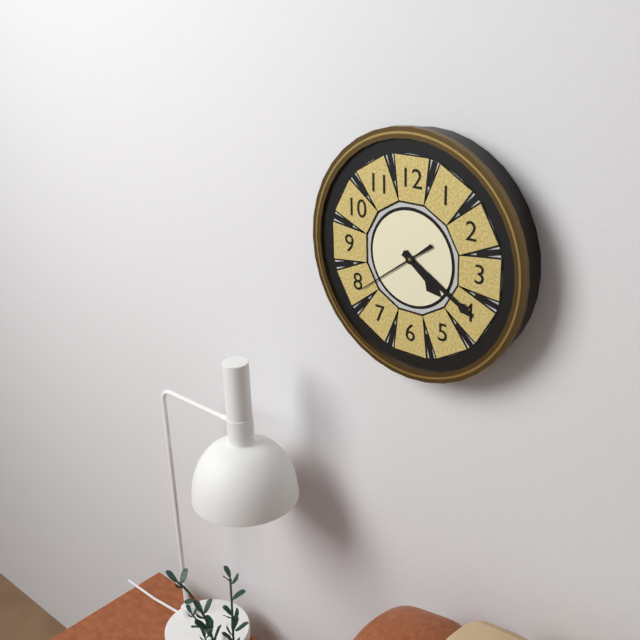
4:20:39
